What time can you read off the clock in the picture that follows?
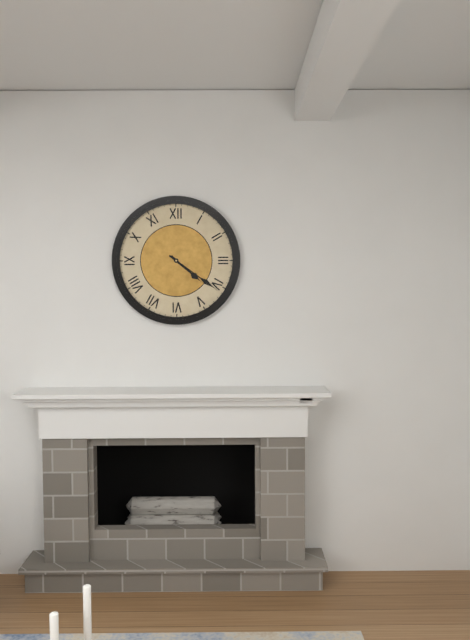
4:21
